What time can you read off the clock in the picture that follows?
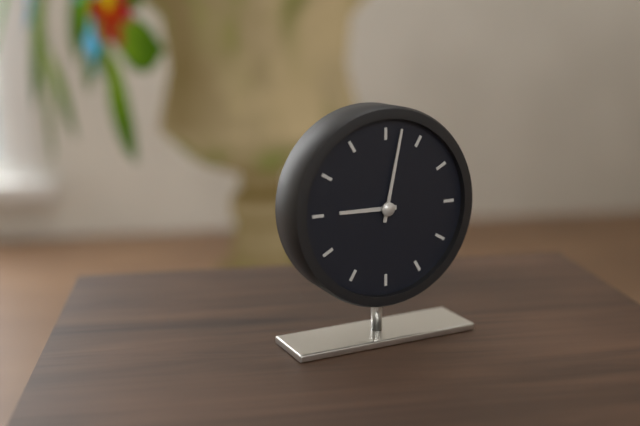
9:02
